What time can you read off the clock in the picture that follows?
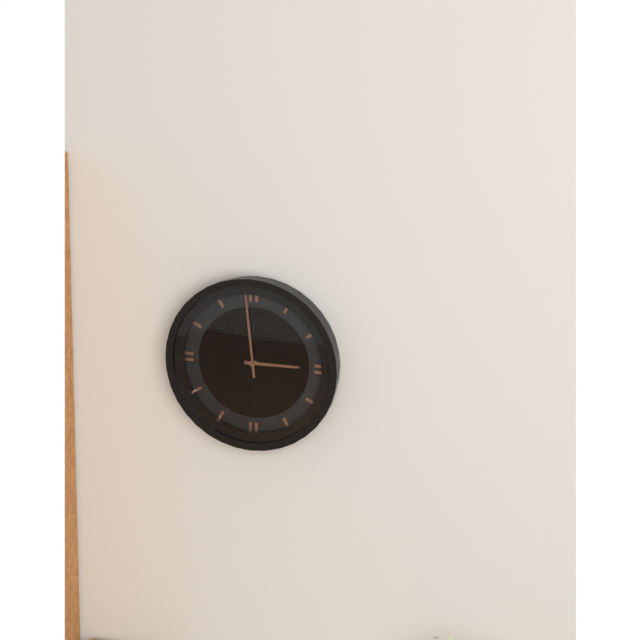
2:59
